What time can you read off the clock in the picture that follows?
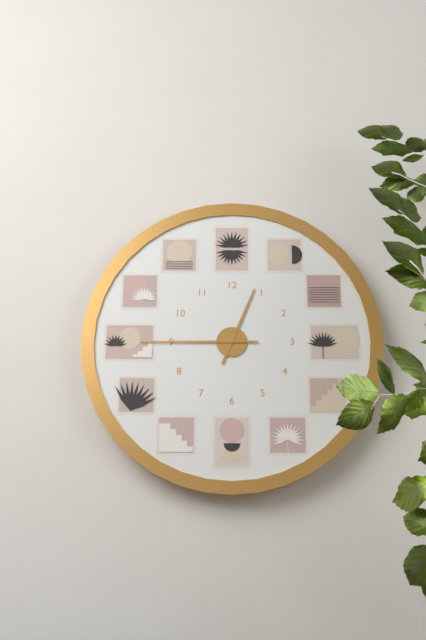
12:45
